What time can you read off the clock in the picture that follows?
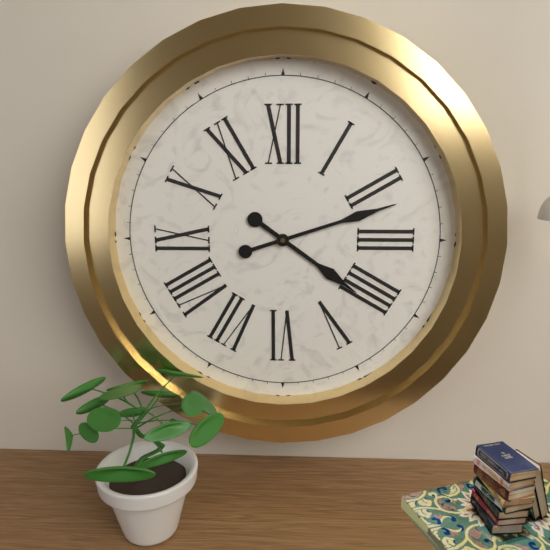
4:12
